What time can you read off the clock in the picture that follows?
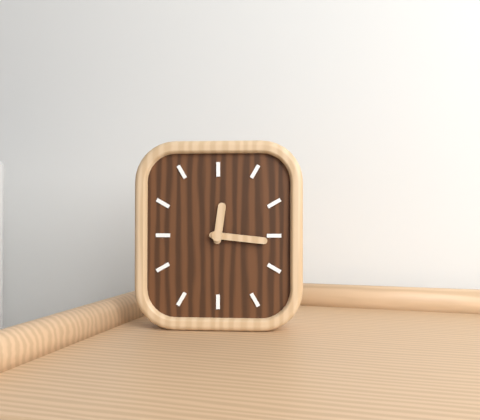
12:16
